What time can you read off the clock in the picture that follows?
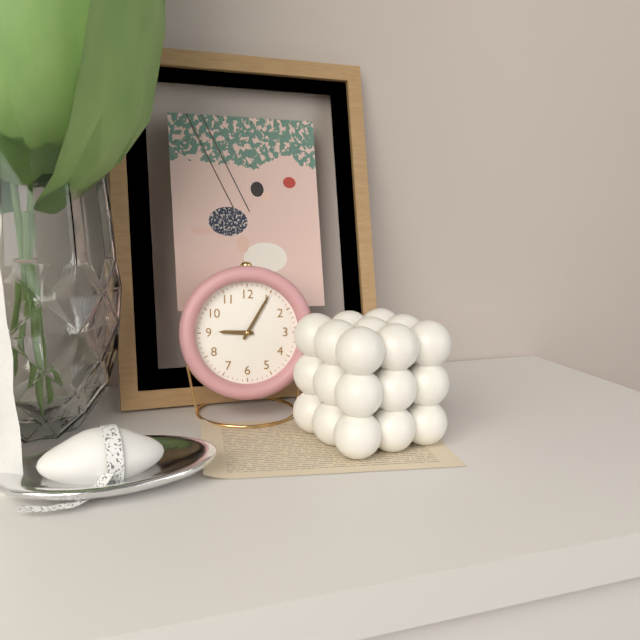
9:05
